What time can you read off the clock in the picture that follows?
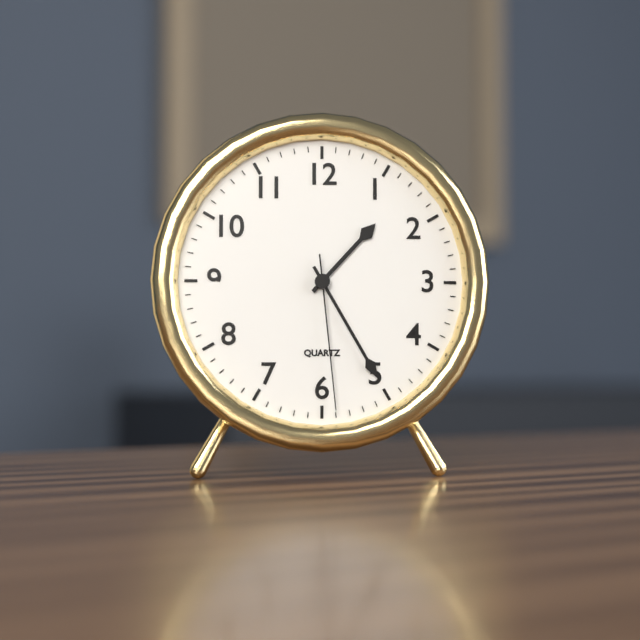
1:25:29
